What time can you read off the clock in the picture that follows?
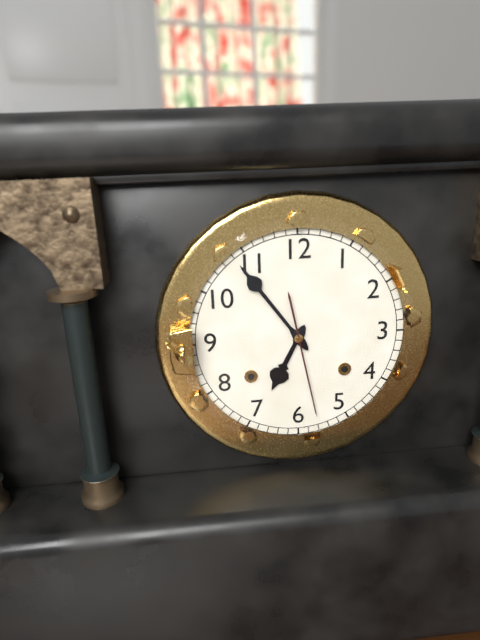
6:54:28
